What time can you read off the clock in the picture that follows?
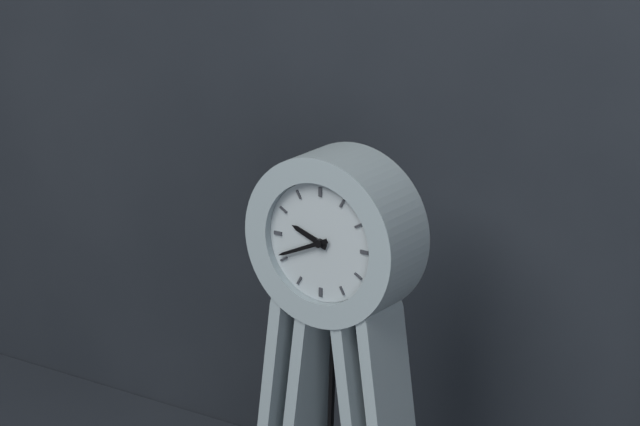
9:41
